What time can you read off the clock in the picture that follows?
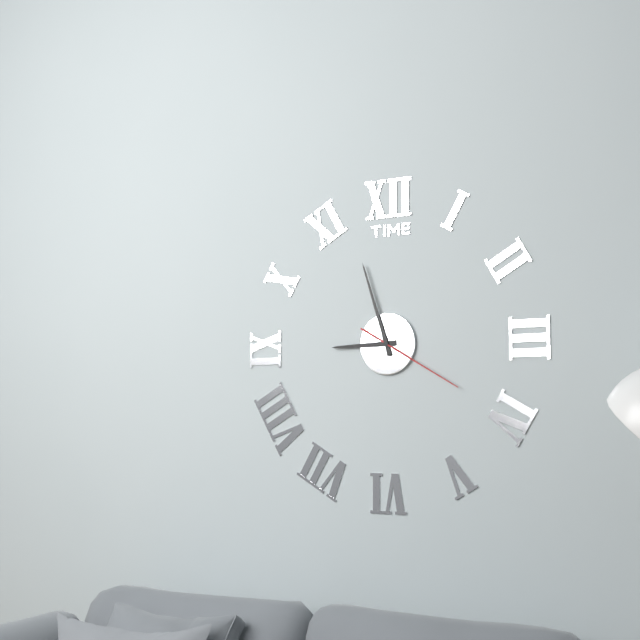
8:57:20
